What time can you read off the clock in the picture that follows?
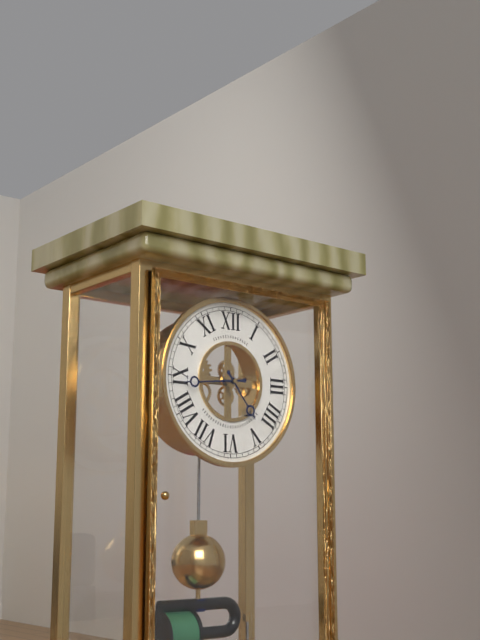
4:44
